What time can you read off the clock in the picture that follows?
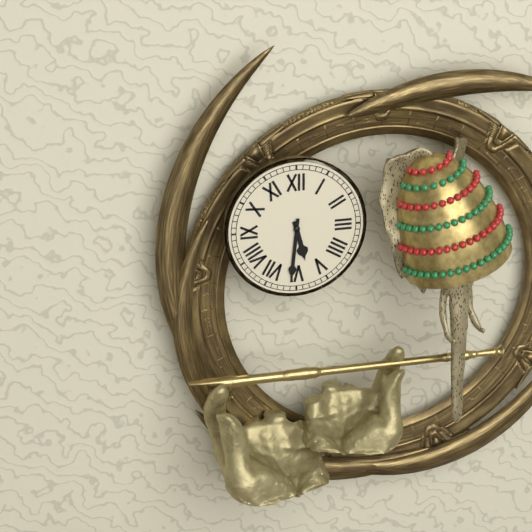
5:31
